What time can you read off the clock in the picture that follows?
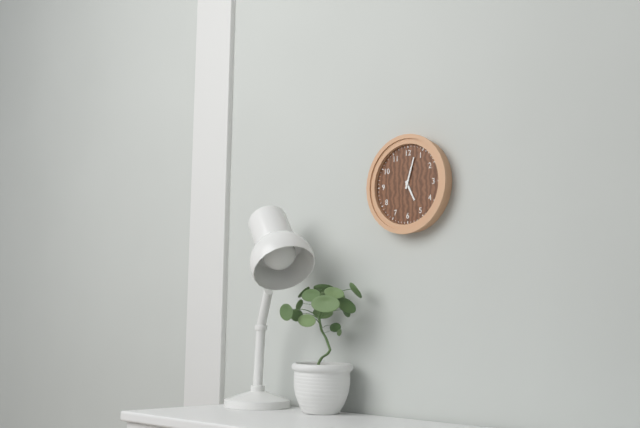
5:03
